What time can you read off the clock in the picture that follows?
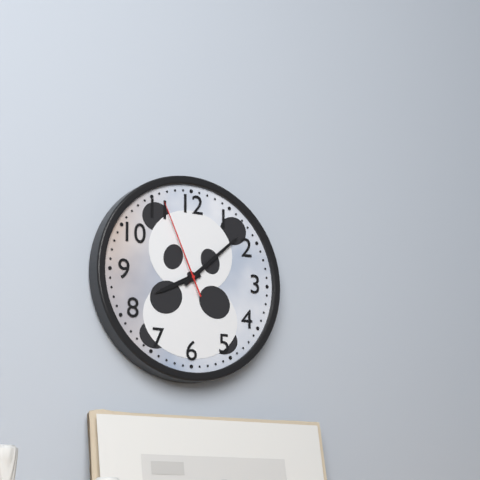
8:08:56
